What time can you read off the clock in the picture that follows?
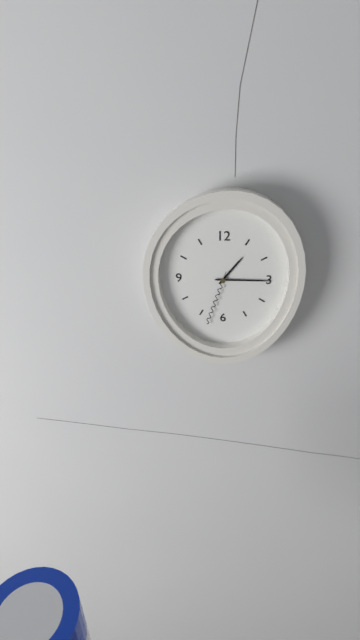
1:15:33
